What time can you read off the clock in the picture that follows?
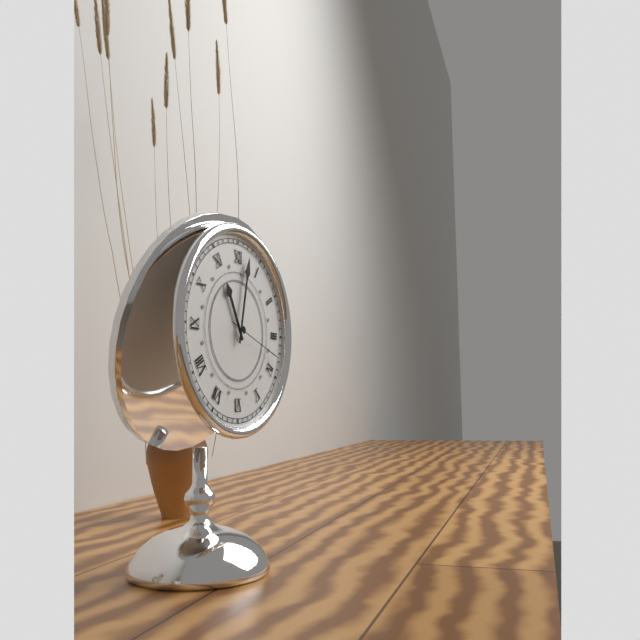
11:02:18
